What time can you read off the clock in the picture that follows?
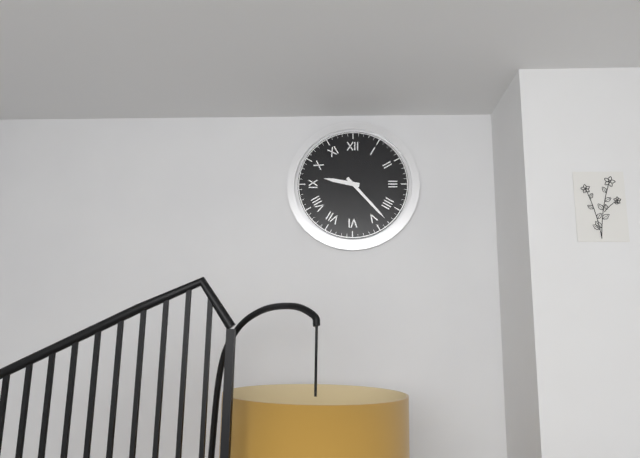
9:23
